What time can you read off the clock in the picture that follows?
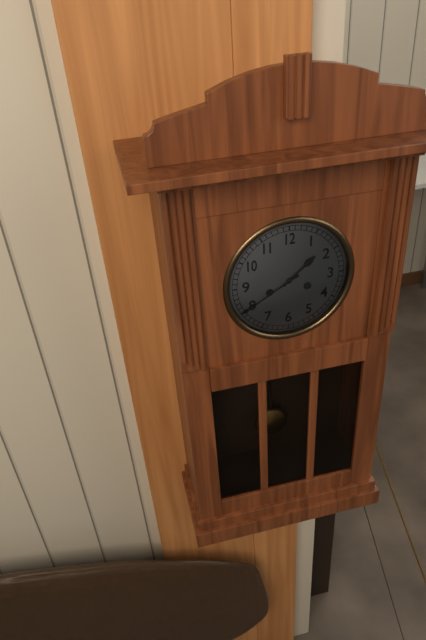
1:40
